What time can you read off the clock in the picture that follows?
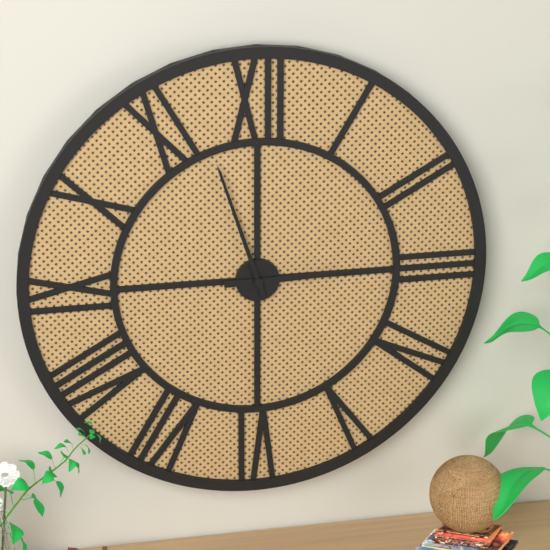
2:57
